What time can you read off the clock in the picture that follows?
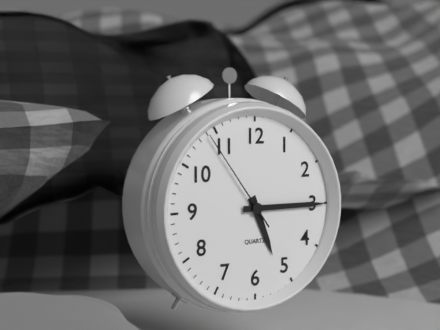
5:15:54
